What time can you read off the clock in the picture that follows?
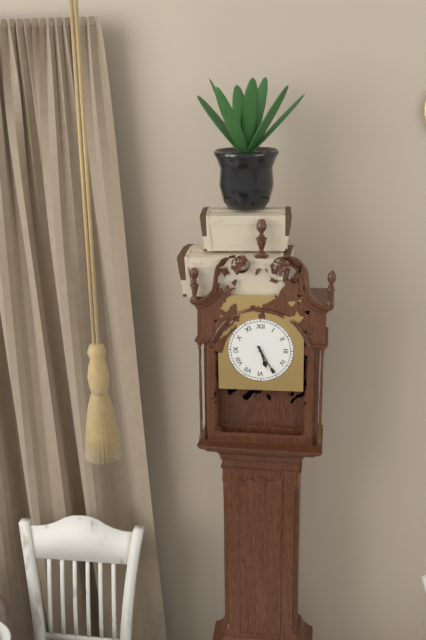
5:25
